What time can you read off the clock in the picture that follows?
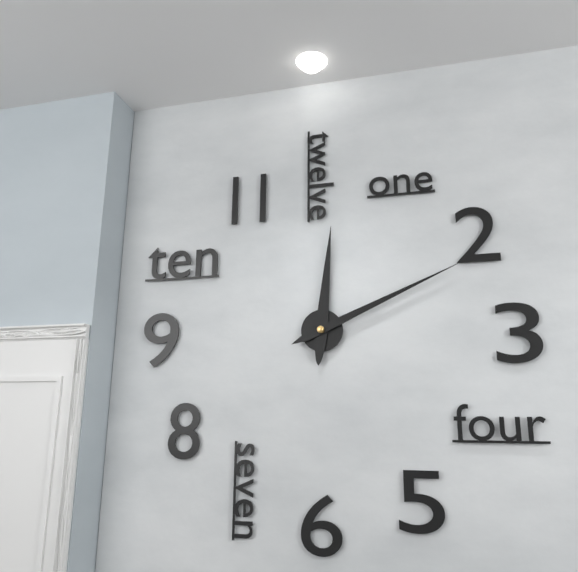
12:11
